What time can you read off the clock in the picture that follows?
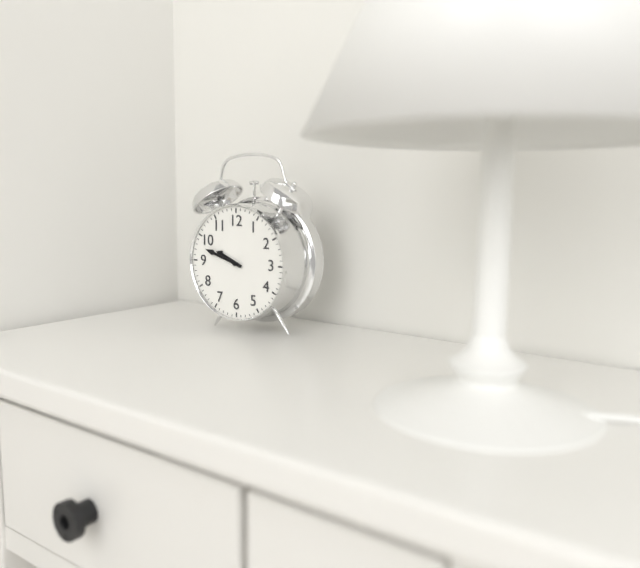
9:48
